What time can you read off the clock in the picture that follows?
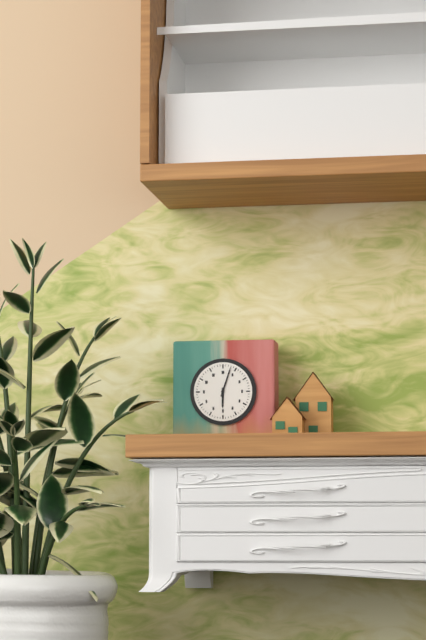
6:03
